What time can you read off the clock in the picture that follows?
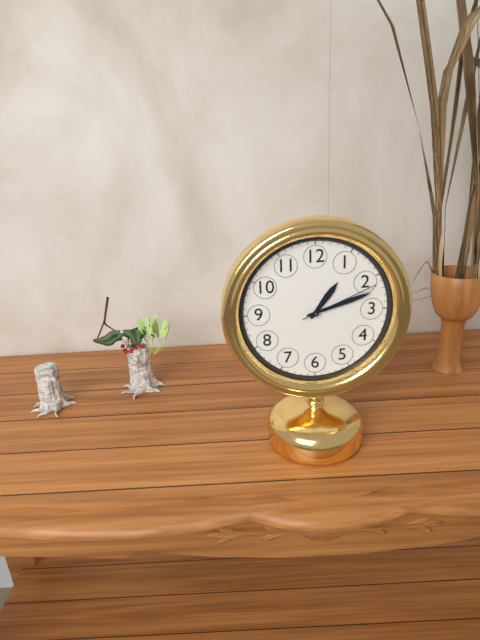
1:12:11
